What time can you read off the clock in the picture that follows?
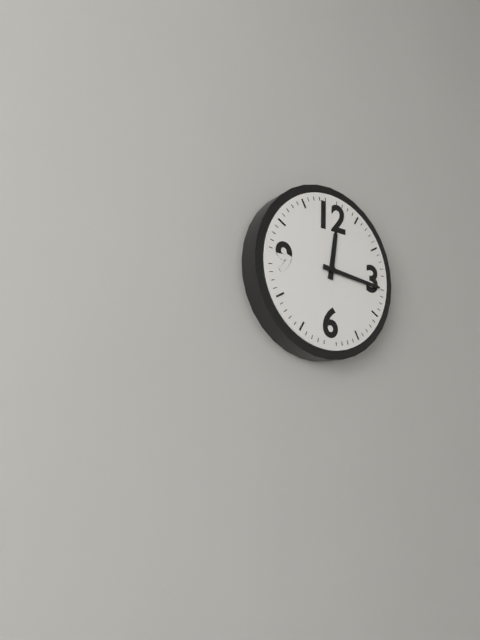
12:16
